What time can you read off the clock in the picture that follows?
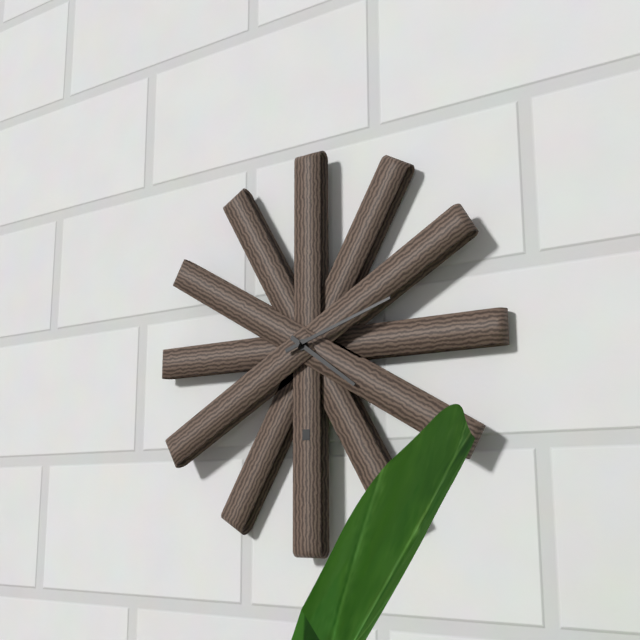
4:12
